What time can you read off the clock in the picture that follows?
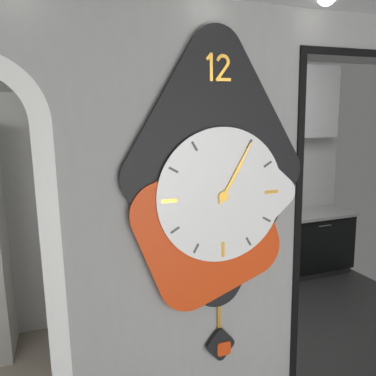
1:05
